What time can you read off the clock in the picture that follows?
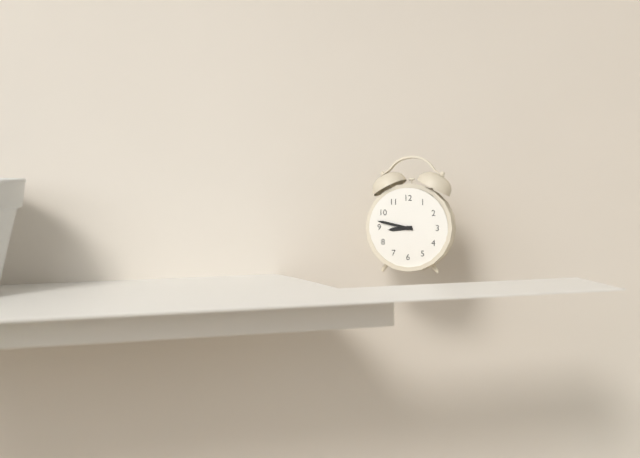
8:47
